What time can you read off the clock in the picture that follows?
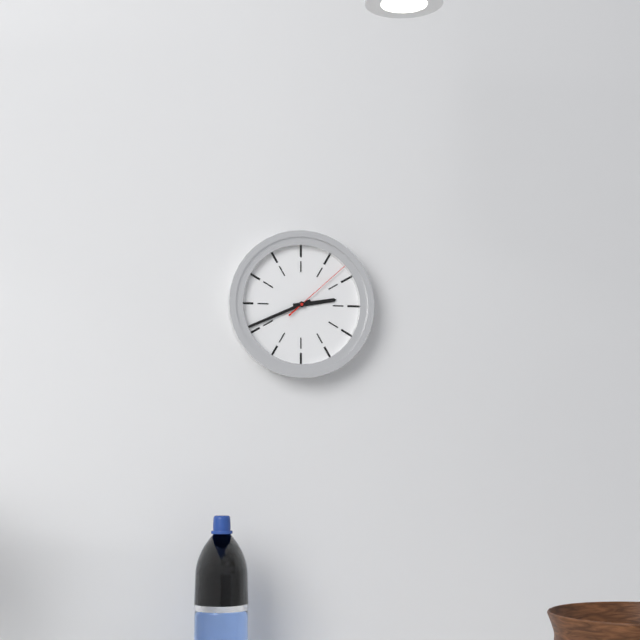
2:41:08
